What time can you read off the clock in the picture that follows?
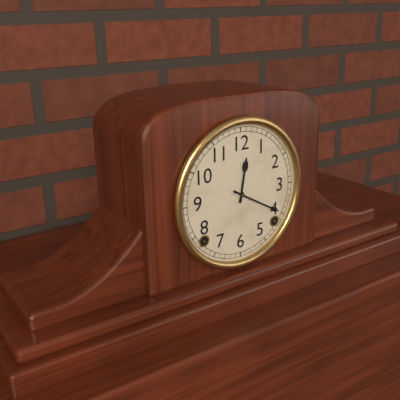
12:20
